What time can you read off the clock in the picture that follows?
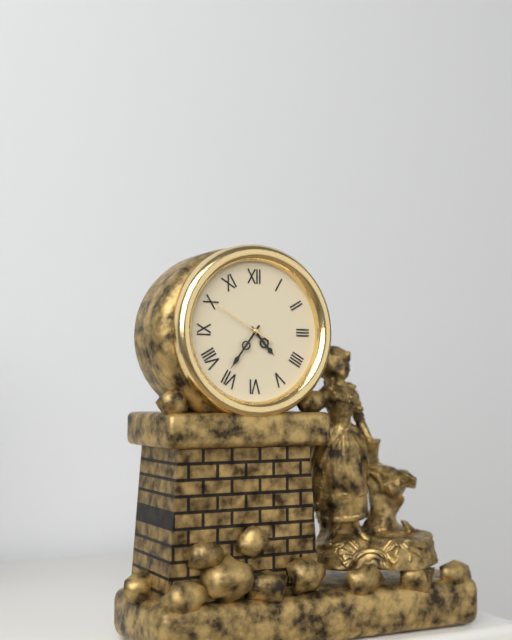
4:36:50
